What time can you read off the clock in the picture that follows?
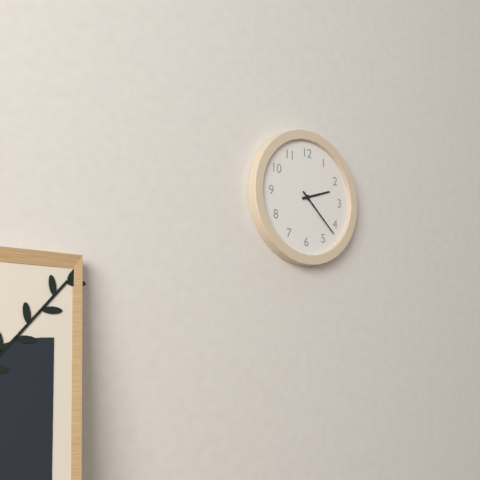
2:22
